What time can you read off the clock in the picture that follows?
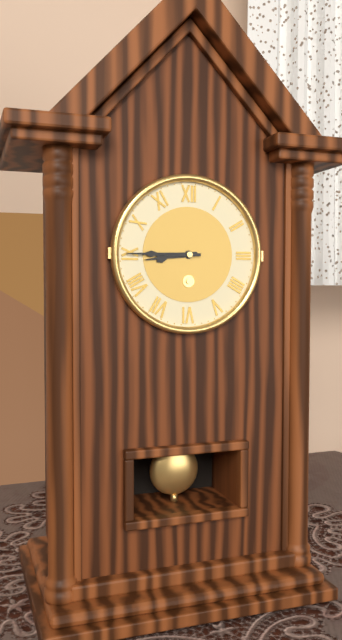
8:45
